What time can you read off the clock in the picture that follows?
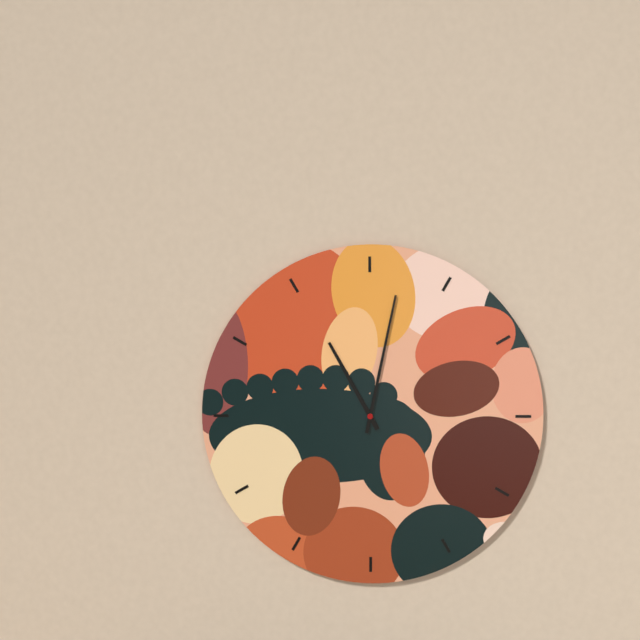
11:02
